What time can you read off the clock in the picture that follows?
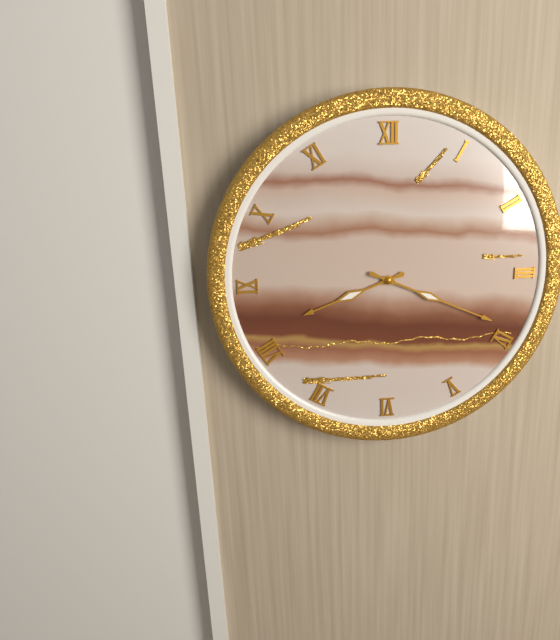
8:19
